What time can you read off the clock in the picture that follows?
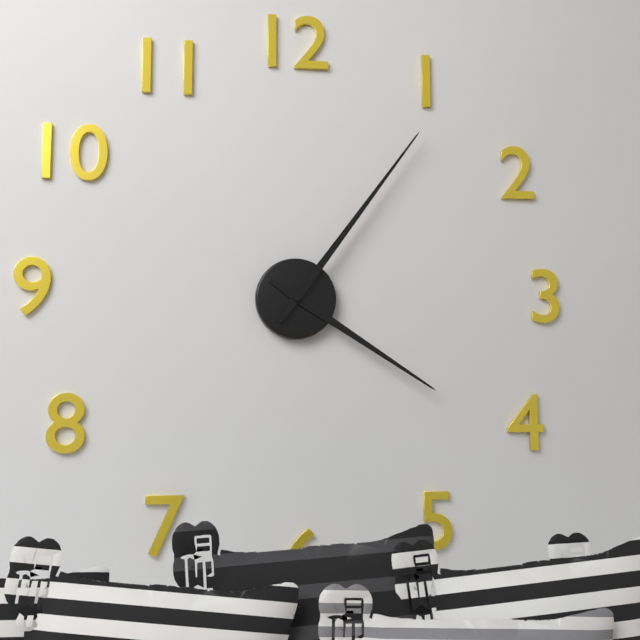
4:06
